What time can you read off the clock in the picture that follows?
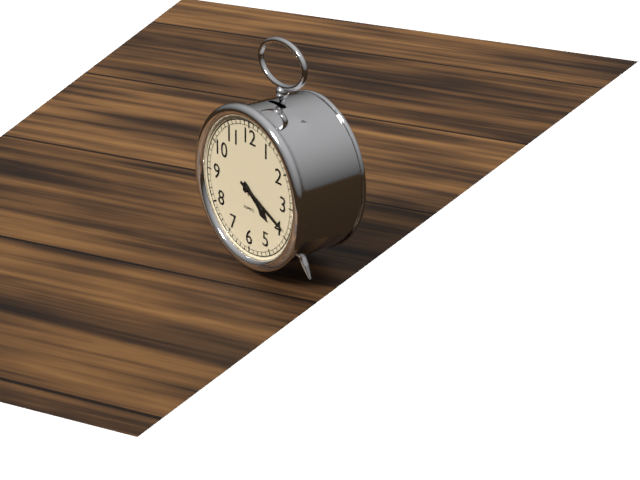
4:19
